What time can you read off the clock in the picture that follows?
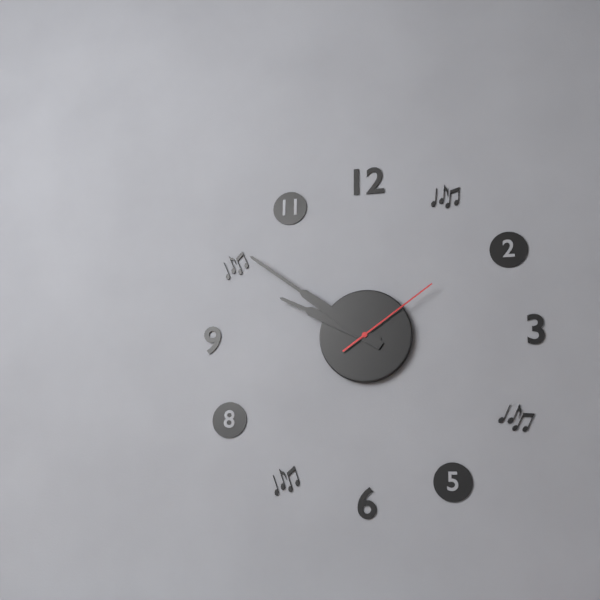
9:51:09
